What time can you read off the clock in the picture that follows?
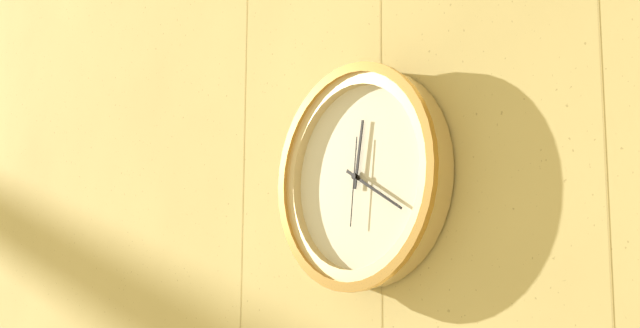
12:20:31
